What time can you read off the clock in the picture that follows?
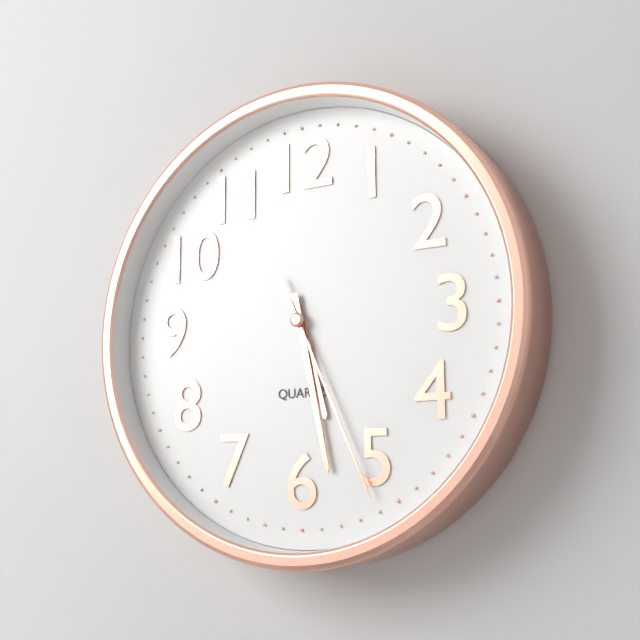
5:28:26
